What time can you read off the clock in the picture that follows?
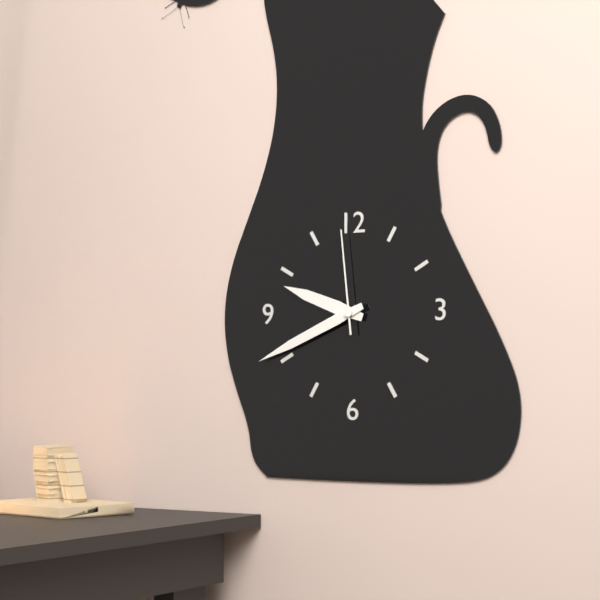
9:41:59
